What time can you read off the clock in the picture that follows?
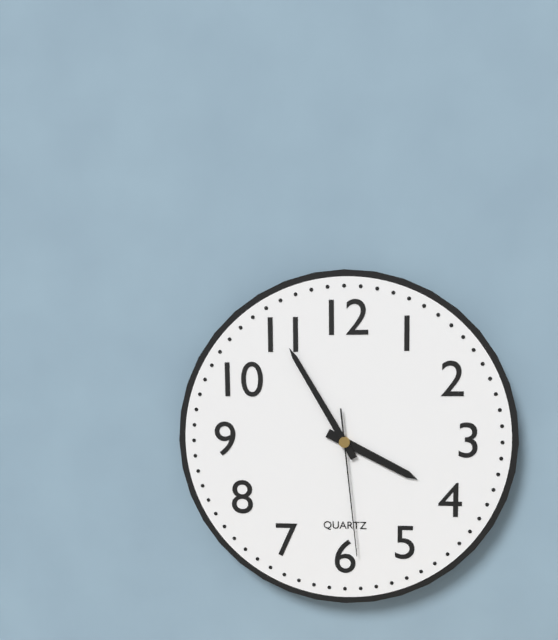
3:55:29
